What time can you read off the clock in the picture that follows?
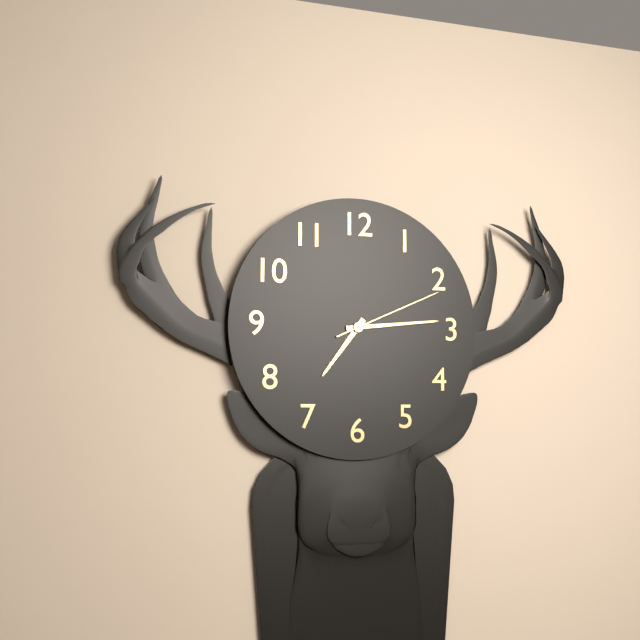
7:14:11
